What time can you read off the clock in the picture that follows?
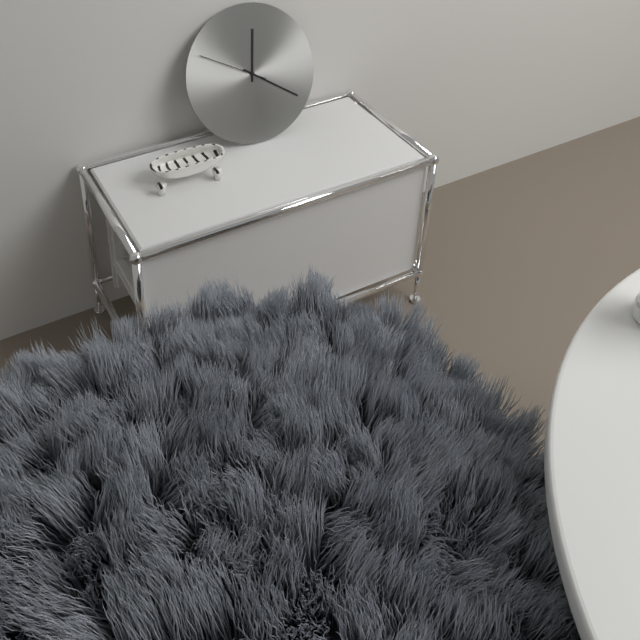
12:21:50
